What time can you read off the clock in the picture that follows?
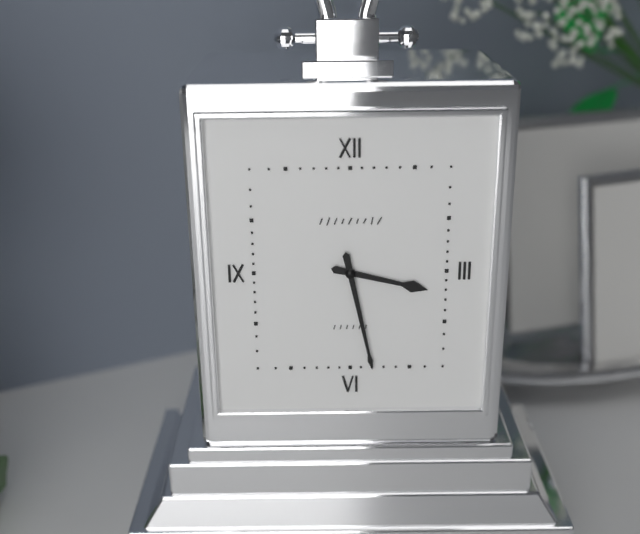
3:28
